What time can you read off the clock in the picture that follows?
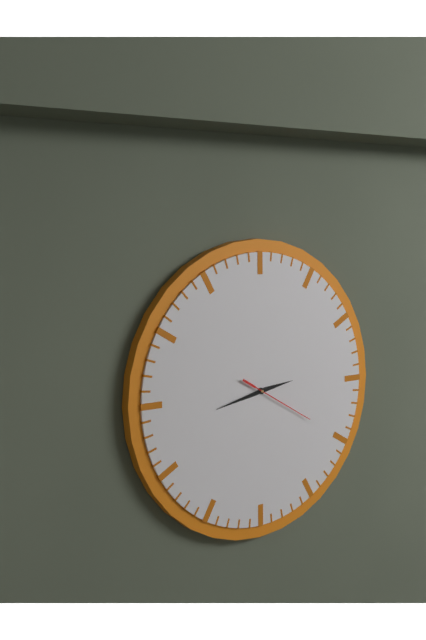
2:43:20
